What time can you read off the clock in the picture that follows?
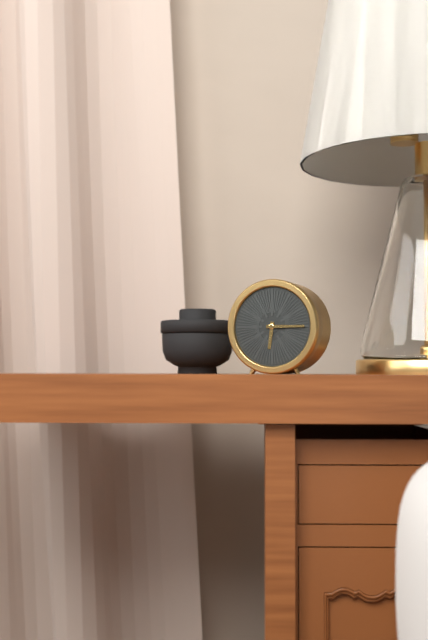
6:15
